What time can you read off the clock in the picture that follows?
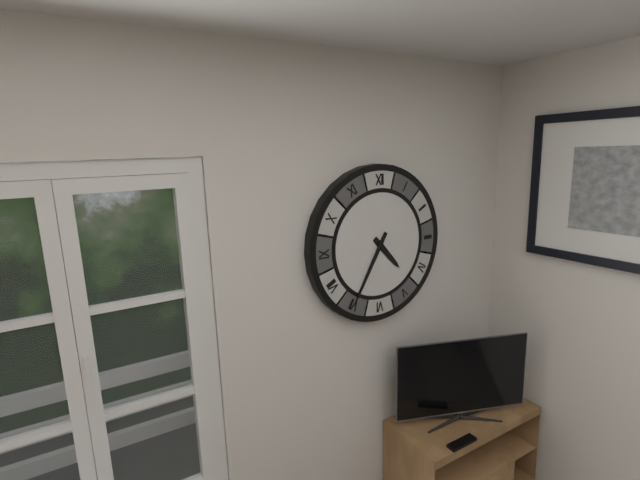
4:35
